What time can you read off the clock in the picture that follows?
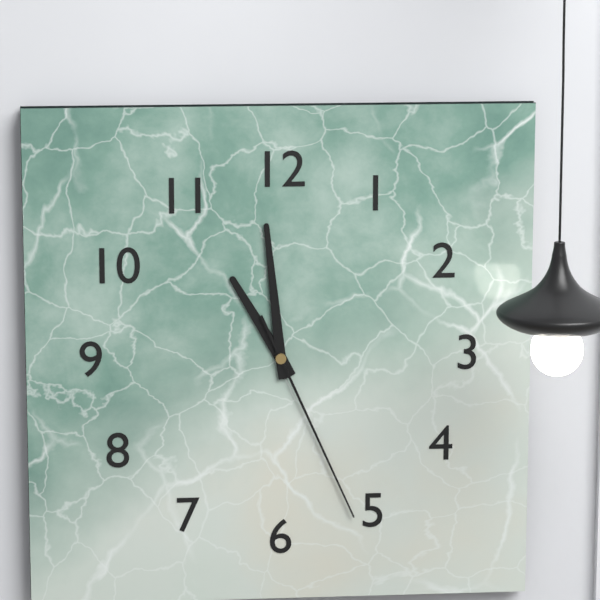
10:59:26
